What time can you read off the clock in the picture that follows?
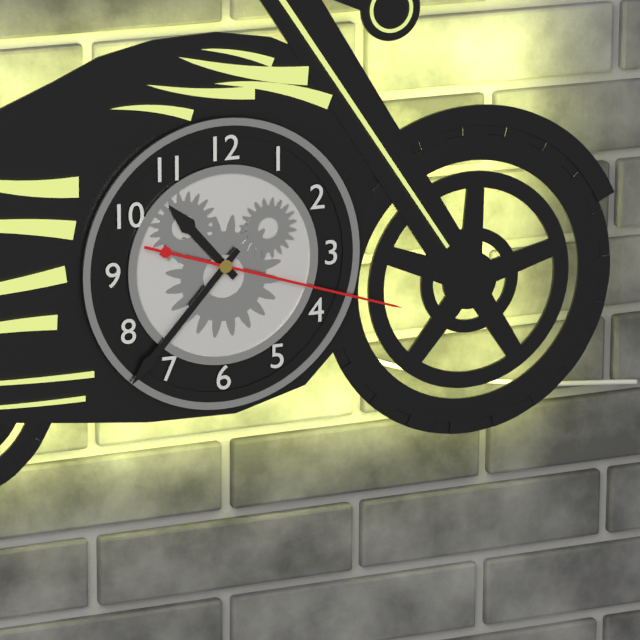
10:37:18
